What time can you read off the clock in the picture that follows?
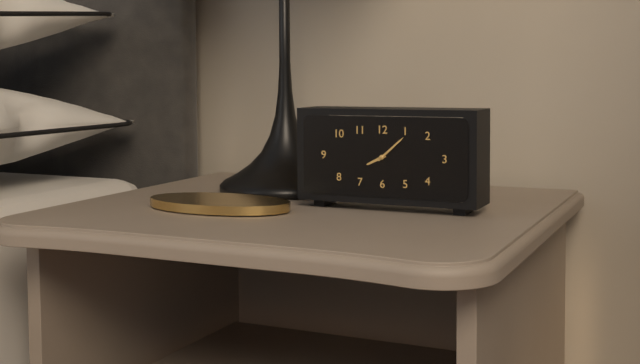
8:08
